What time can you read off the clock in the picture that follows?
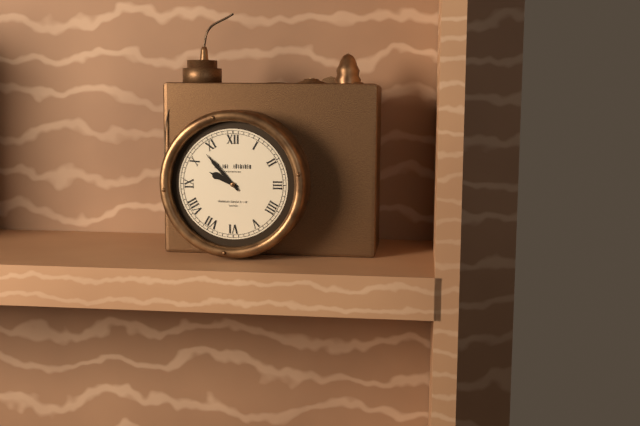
9:53
